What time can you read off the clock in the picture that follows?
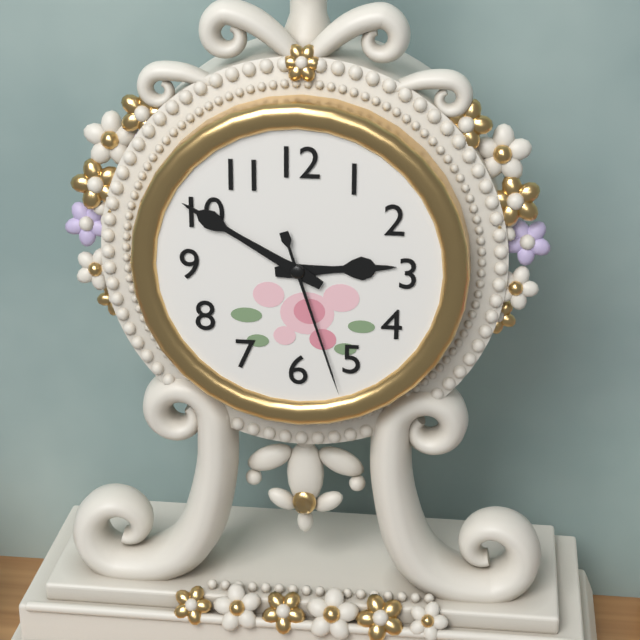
2:50:27
